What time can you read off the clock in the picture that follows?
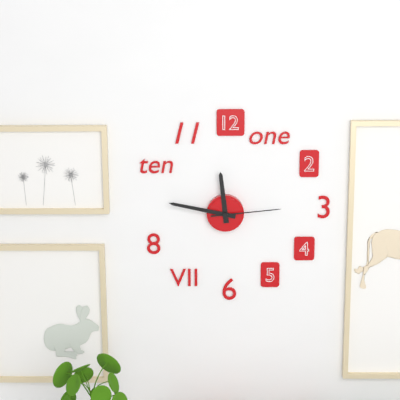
11:47:14
